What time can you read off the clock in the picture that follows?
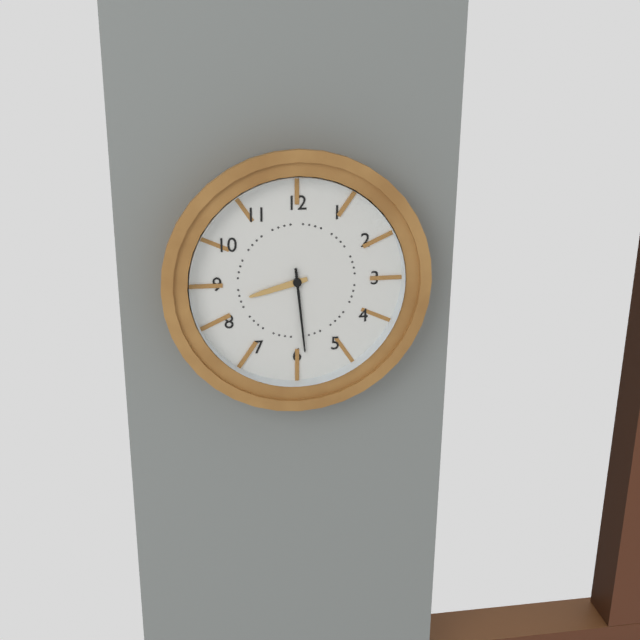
8:29
